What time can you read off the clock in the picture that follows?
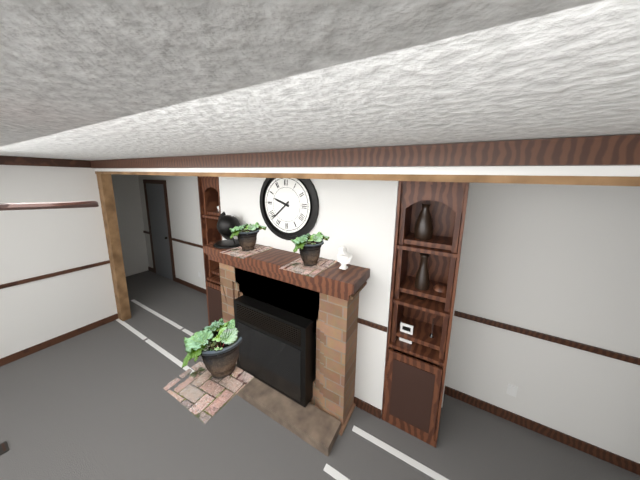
9:38
